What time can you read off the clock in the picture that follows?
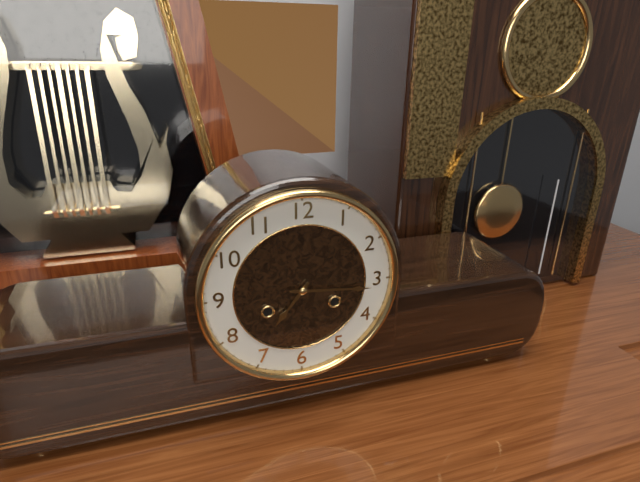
7:16
